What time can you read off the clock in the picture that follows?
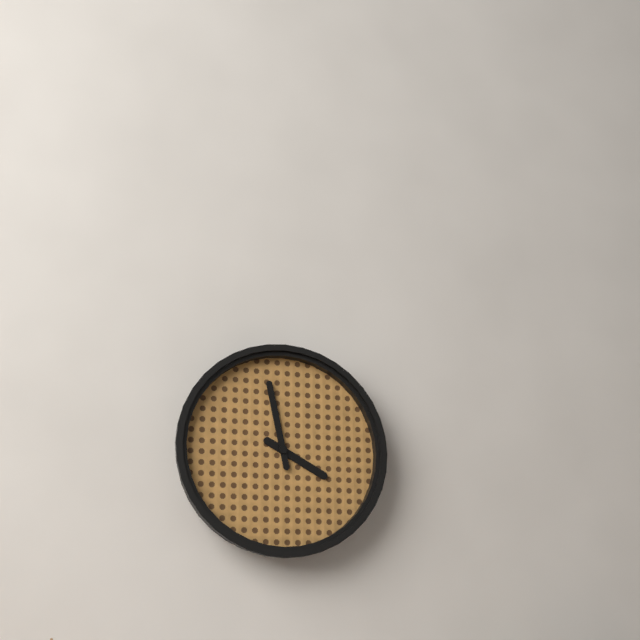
3:58
